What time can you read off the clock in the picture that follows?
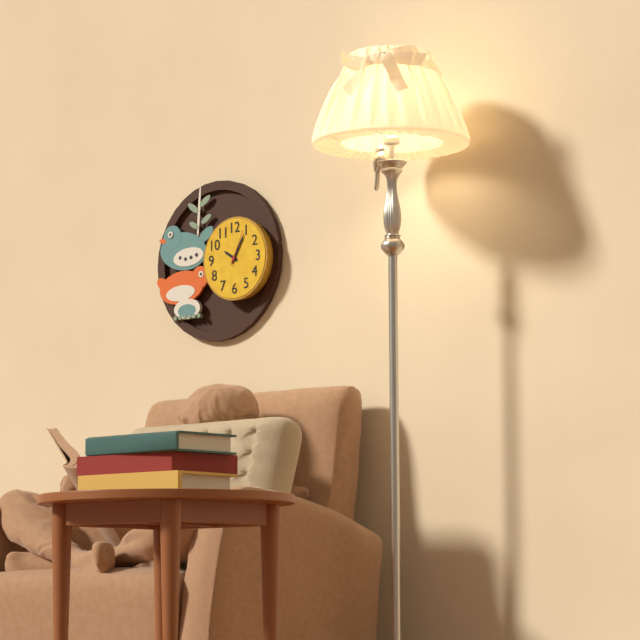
10:05
